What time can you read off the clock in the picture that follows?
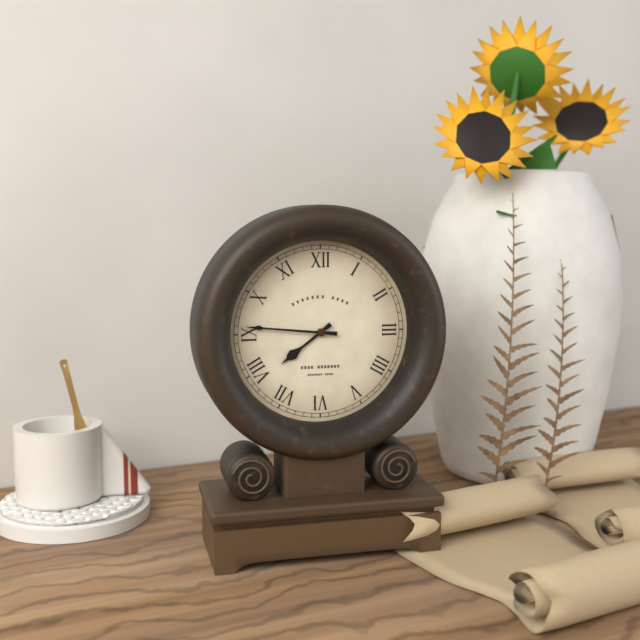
7:46
